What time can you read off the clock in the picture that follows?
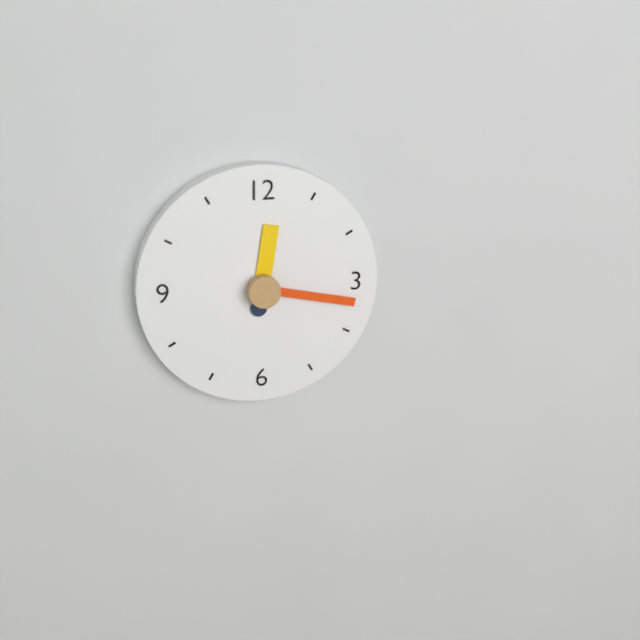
12:17
